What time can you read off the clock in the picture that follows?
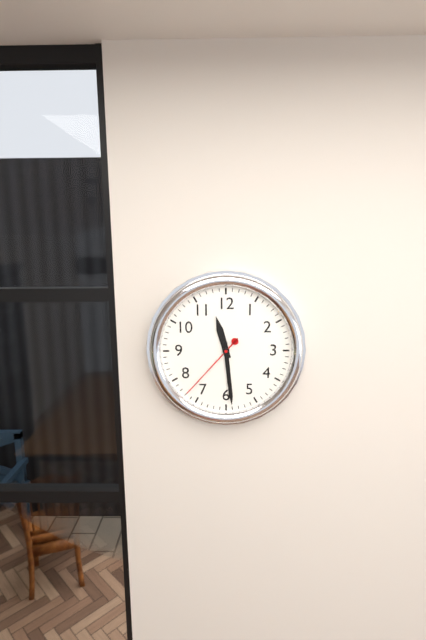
11:29:37
